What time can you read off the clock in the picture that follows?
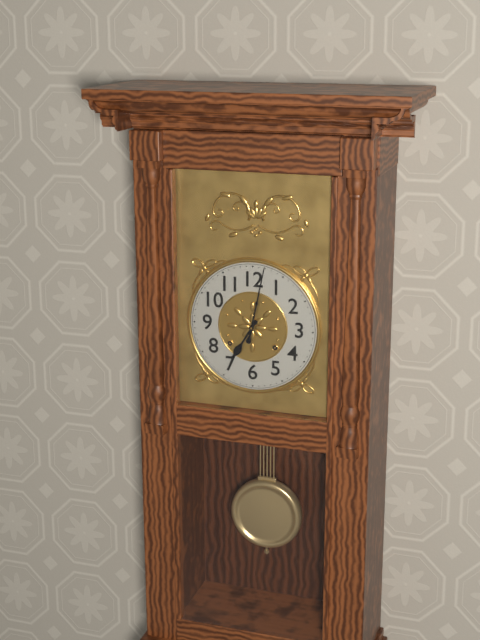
7:02
